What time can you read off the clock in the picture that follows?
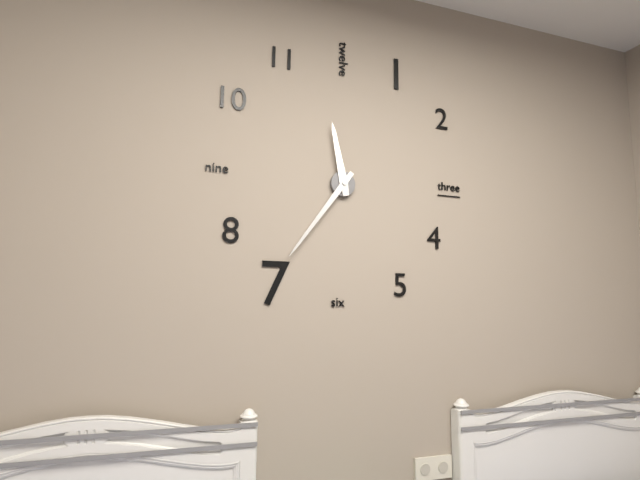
11:36
